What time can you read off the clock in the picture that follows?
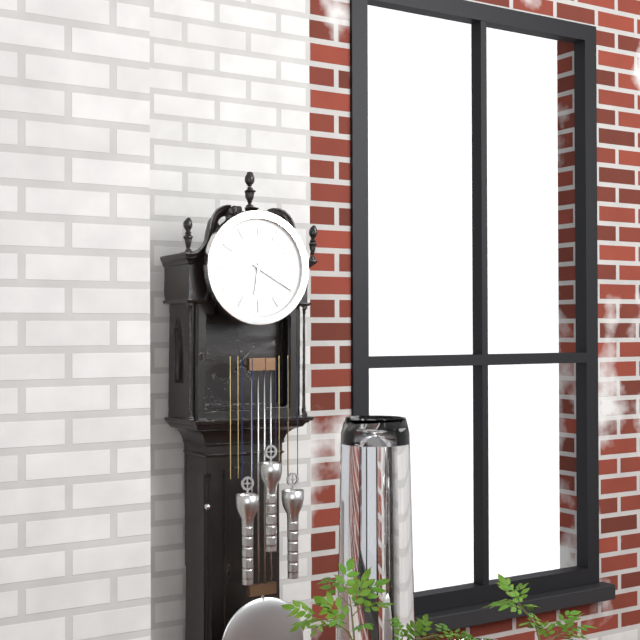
6:20
